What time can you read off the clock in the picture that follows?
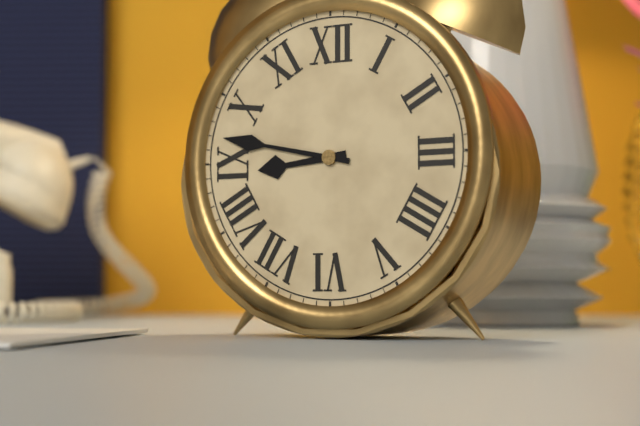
8:47
